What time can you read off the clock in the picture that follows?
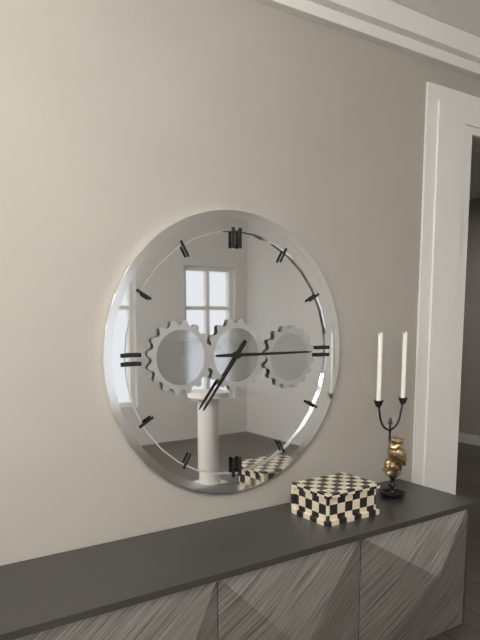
7:15
